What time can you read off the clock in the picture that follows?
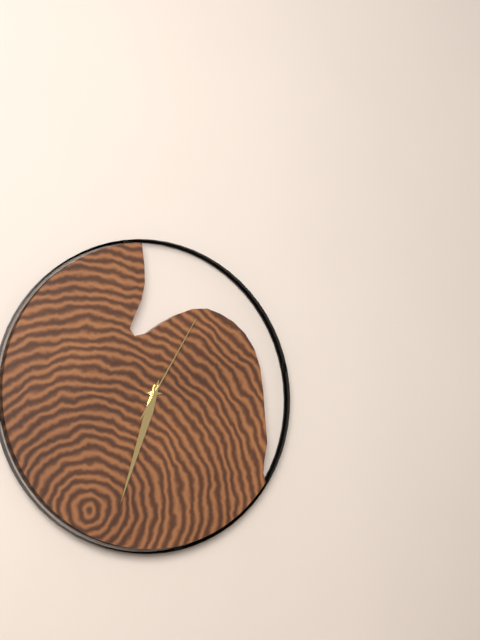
6:33:05
